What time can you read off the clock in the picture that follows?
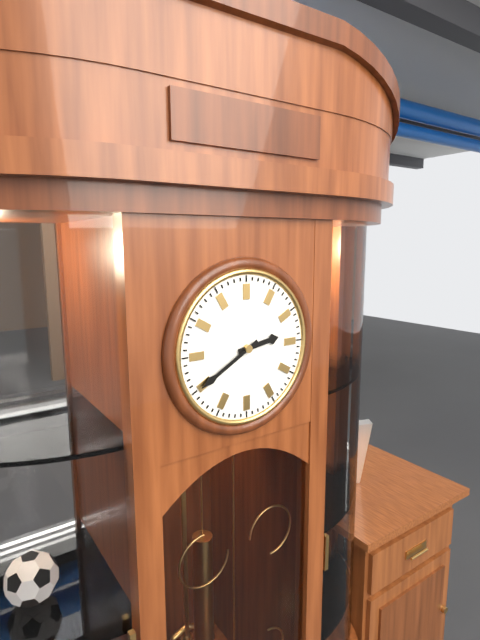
2:40
